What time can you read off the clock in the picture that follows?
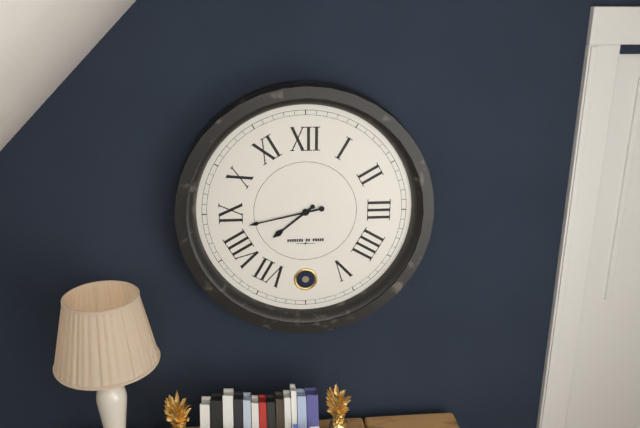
7:43
